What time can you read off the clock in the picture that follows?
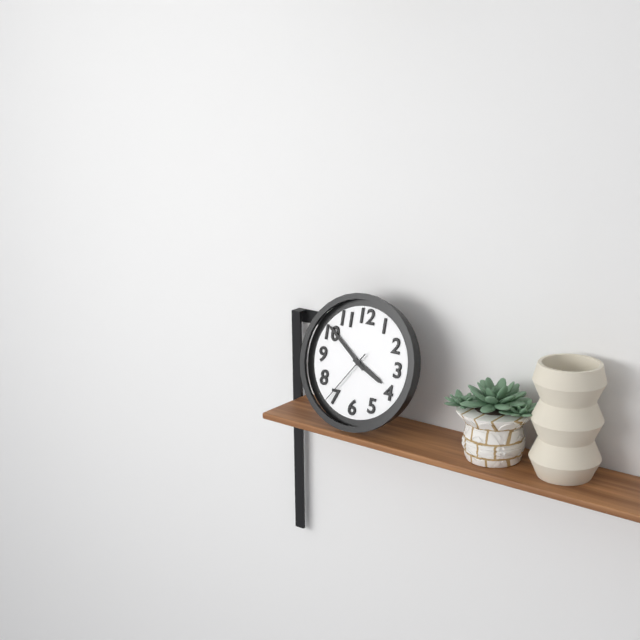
3:51:36
